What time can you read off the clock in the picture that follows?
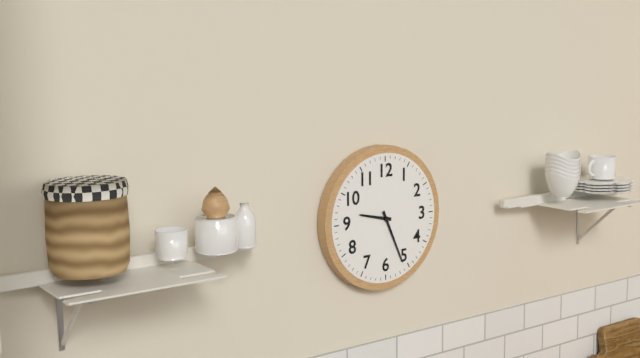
9:26
